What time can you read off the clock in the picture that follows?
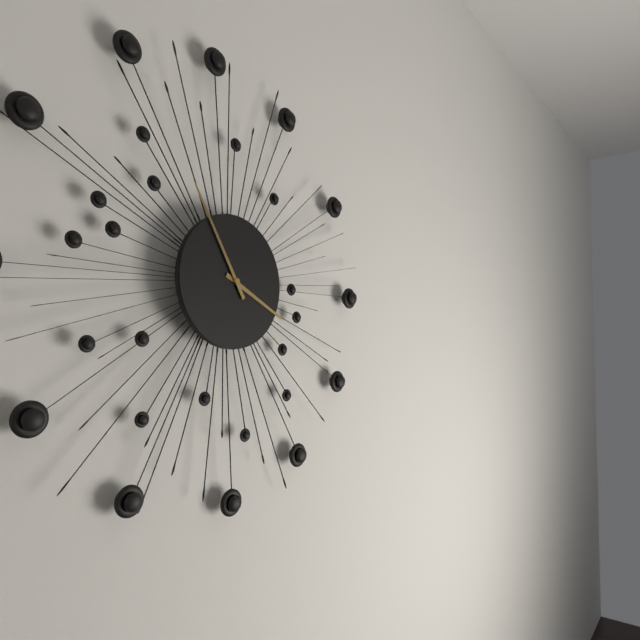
3:55
